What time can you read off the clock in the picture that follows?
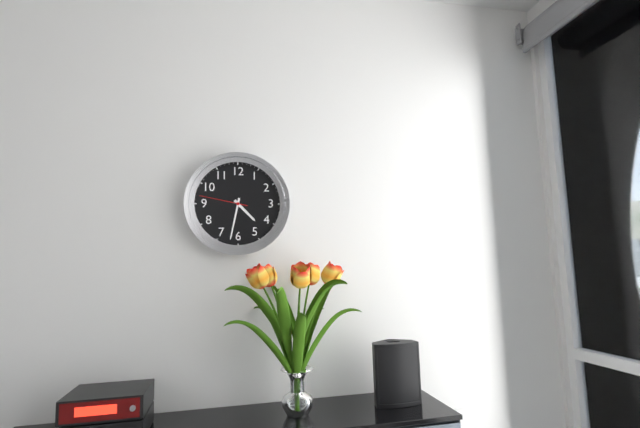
4:32
